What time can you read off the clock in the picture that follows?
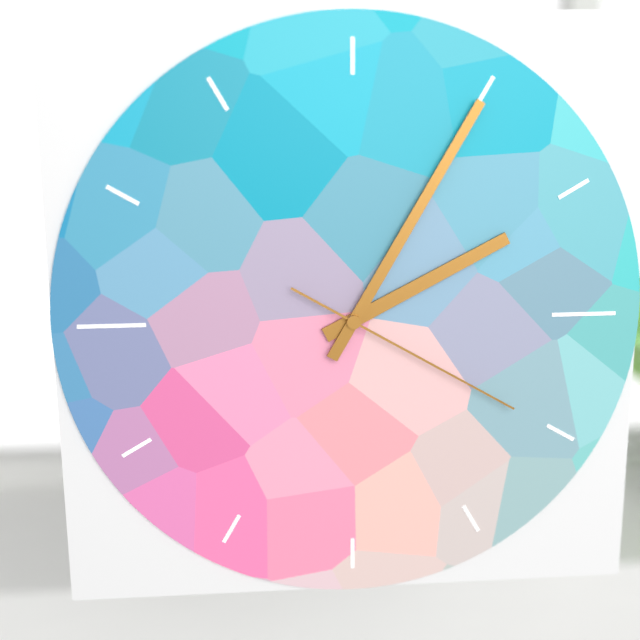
2:05:20
